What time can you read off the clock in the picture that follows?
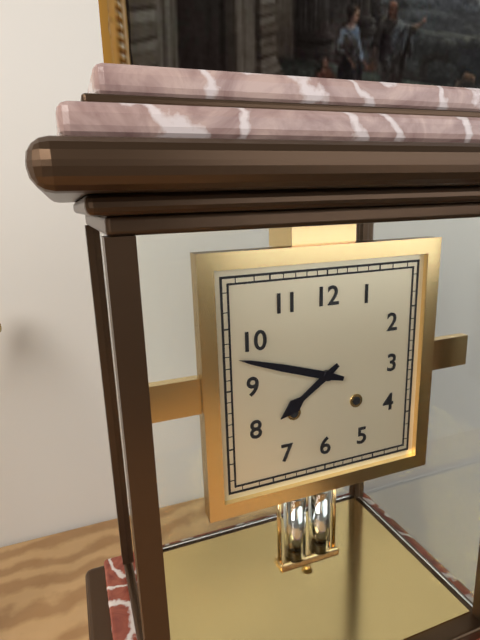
7:48
